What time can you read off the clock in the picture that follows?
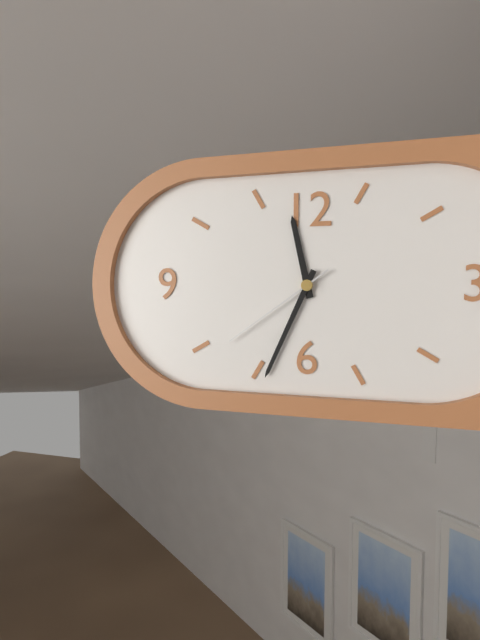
11:34:39
